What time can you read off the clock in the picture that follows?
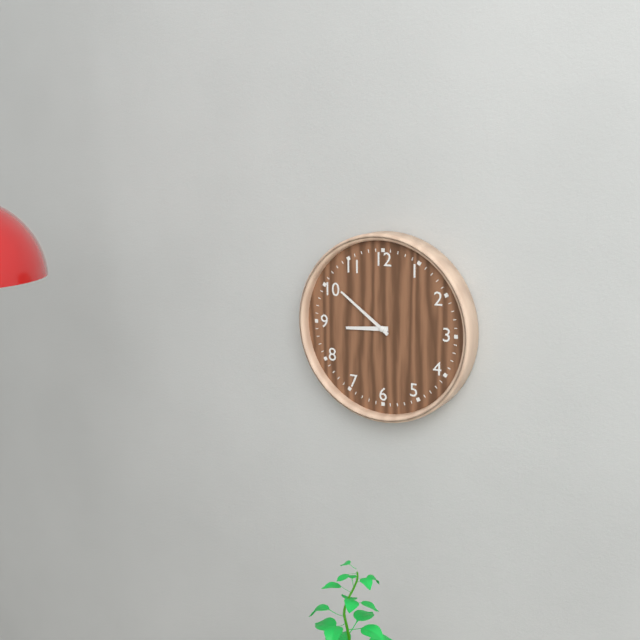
8:51
